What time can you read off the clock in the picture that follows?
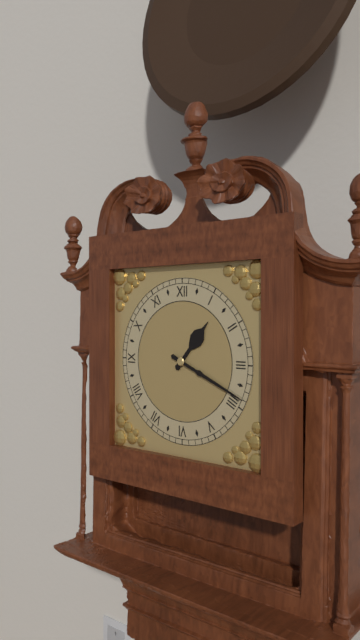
1:19
